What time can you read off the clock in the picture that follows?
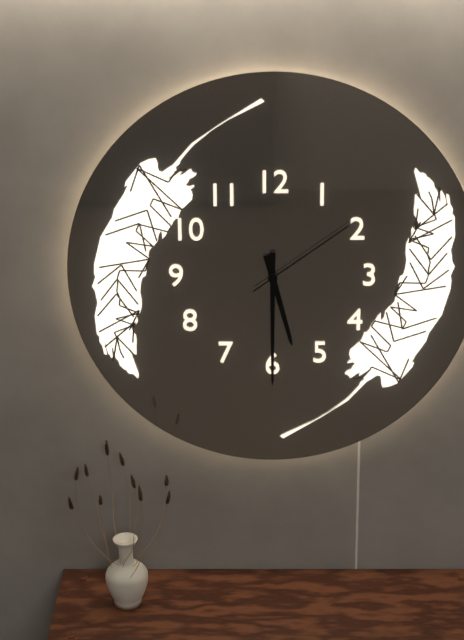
5:30:09
